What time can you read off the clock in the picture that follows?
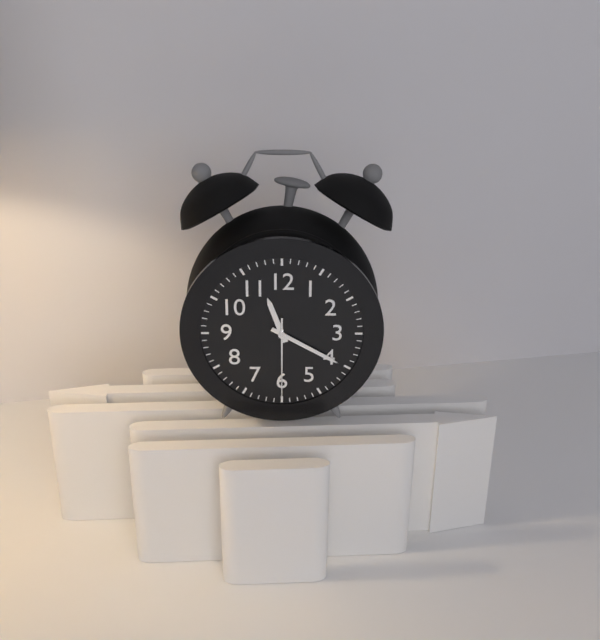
11:20:30
